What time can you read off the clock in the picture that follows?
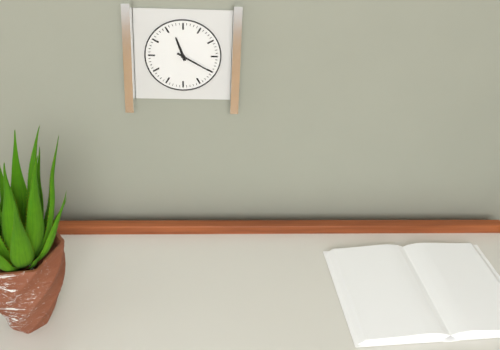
11:20
